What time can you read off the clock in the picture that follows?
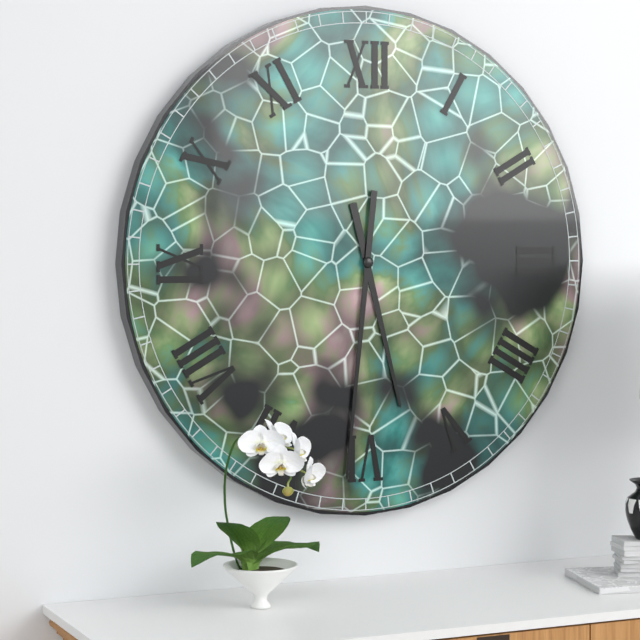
5:31
